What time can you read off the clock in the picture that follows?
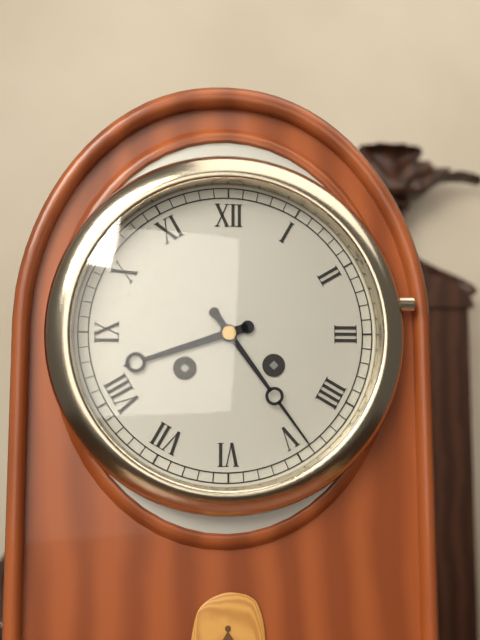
8:24
